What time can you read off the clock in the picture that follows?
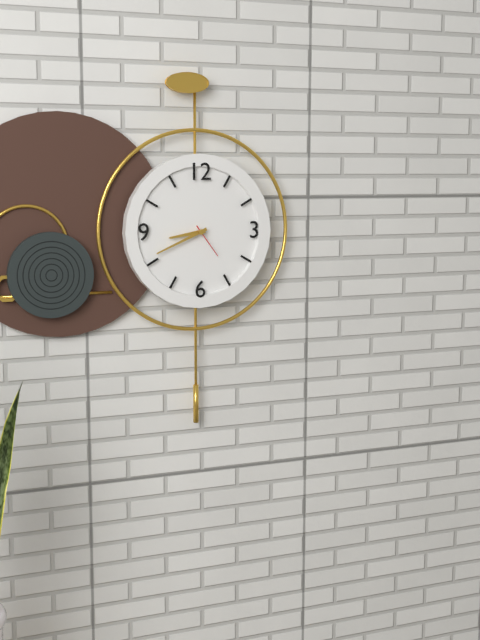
8:41
